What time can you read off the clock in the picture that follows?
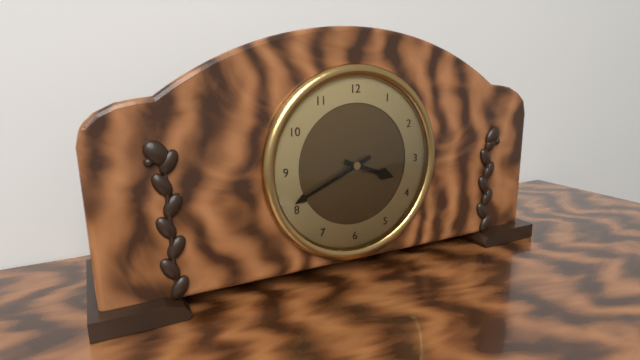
3:41
